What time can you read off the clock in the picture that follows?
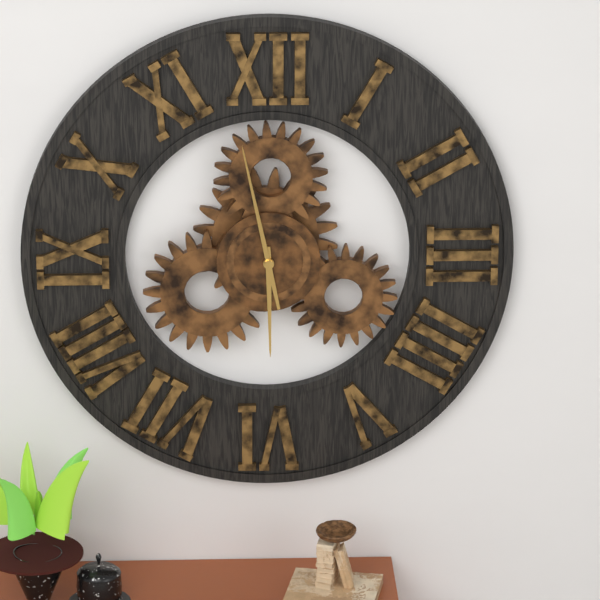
5:58
